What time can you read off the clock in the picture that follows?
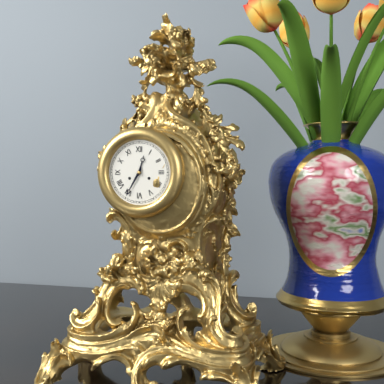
12:35
